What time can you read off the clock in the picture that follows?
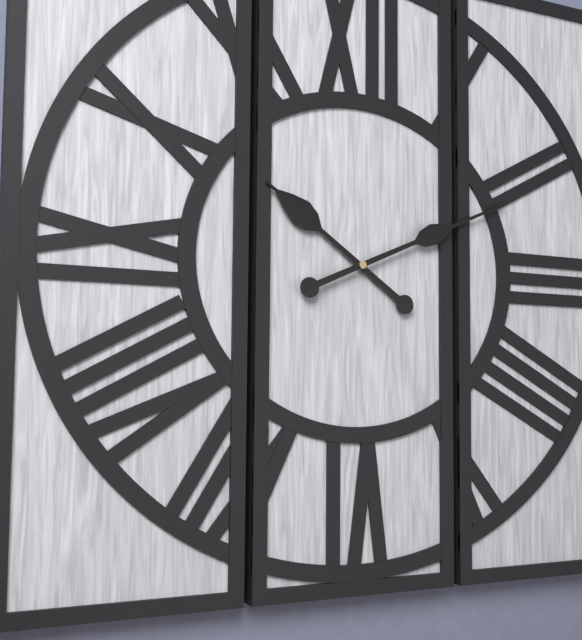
10:11
